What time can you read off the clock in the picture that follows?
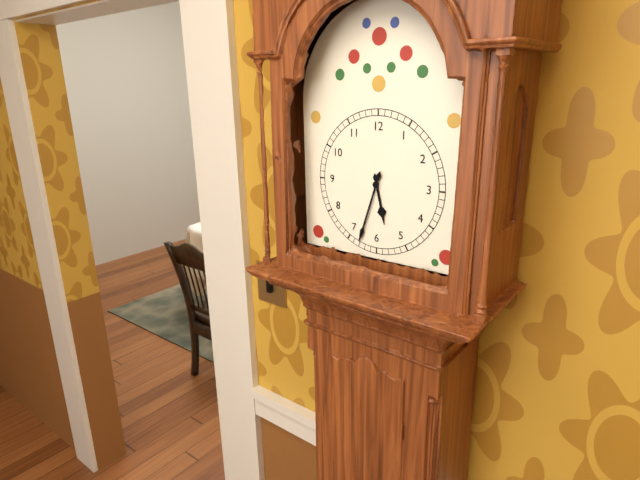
5:33
